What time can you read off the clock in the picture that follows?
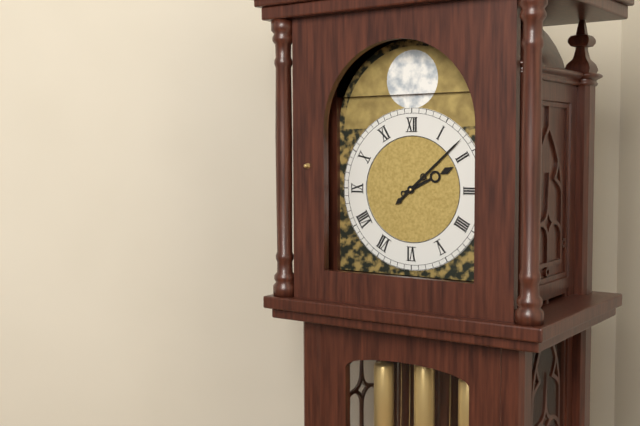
2:08
